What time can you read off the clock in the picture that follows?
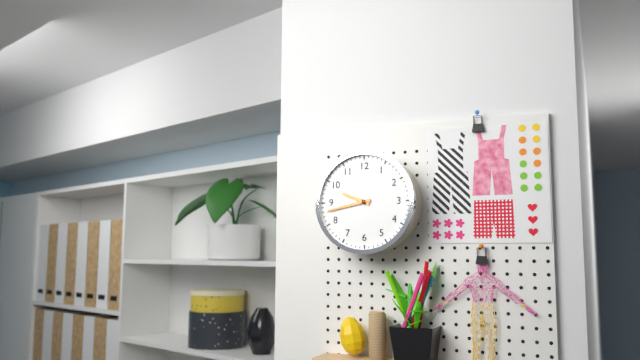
9:43
